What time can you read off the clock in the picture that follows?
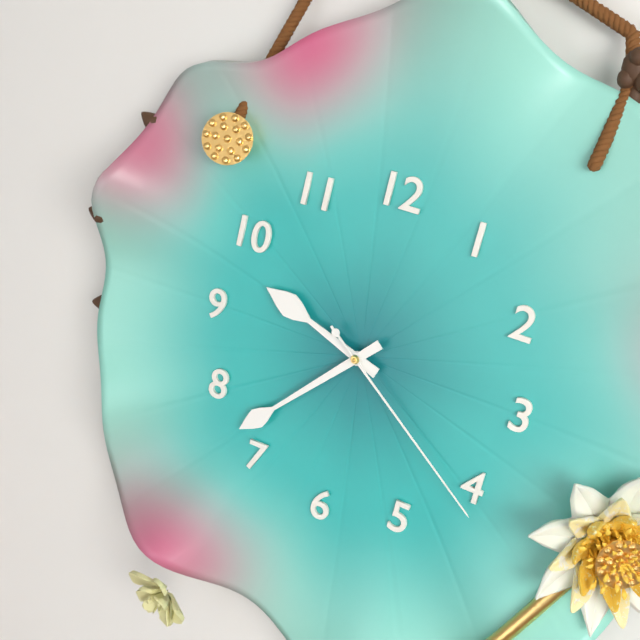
9:37:21
